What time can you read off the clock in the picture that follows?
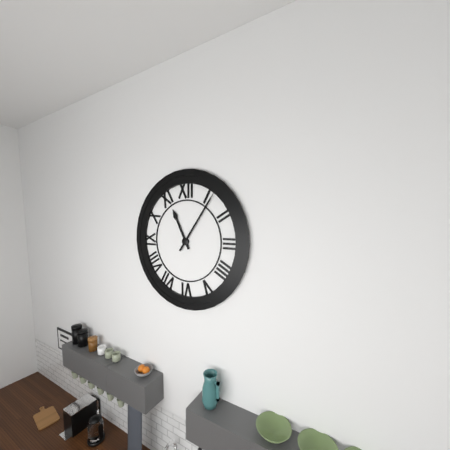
11:06
